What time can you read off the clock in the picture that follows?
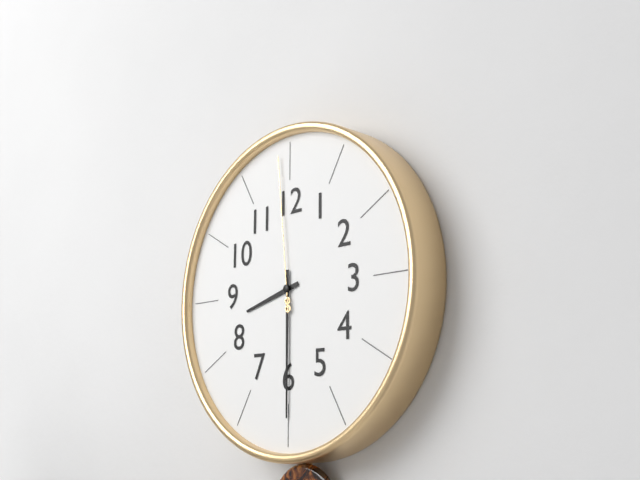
8:30:59
